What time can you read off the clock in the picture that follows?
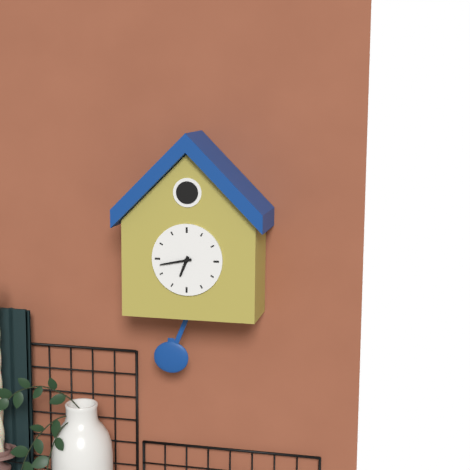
6:43
